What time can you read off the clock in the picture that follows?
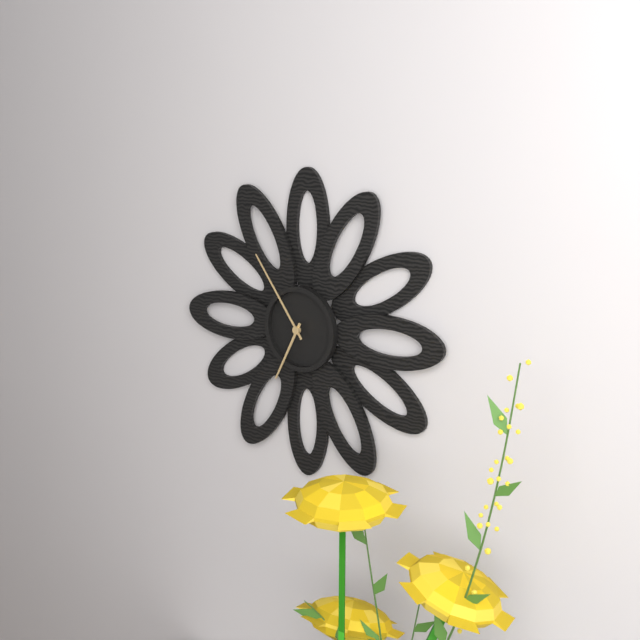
6:54
